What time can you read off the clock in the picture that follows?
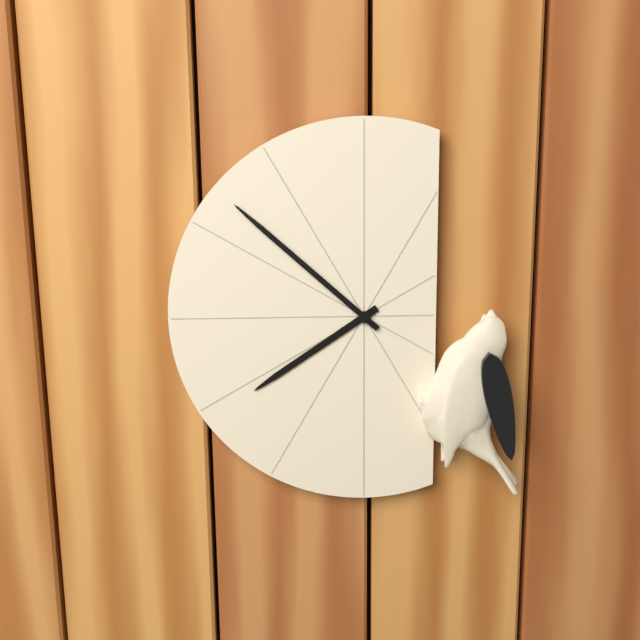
7:52
